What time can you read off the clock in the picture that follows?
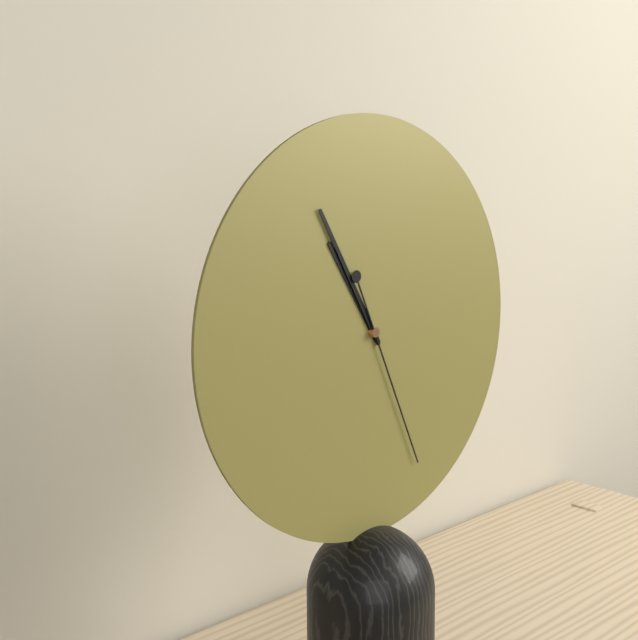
10:55:26
